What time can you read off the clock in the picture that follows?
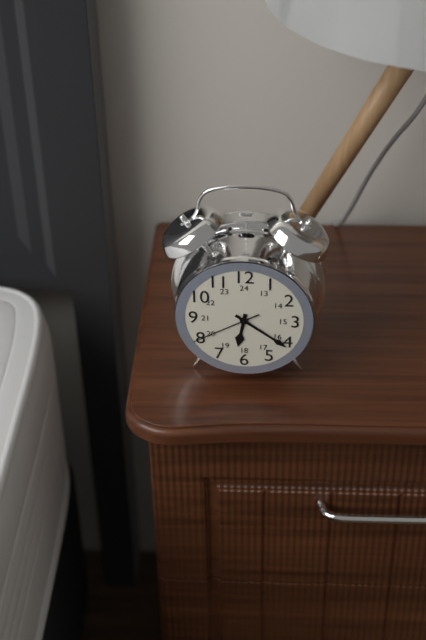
6:21:40
